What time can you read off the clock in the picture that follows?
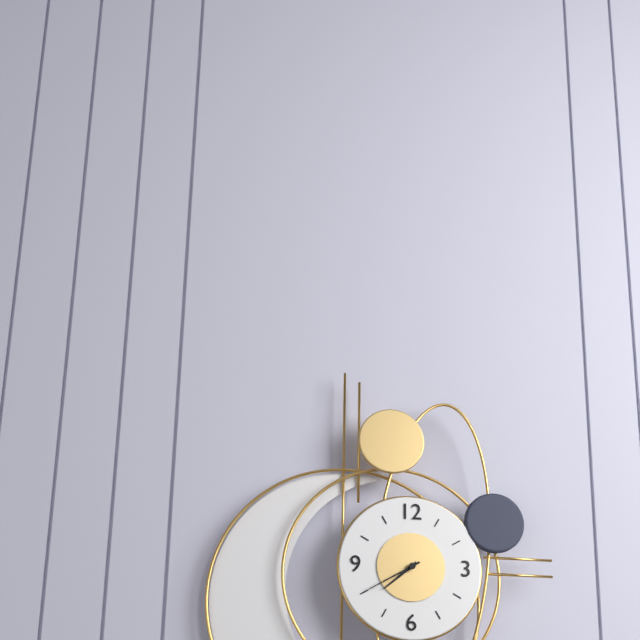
7:40
